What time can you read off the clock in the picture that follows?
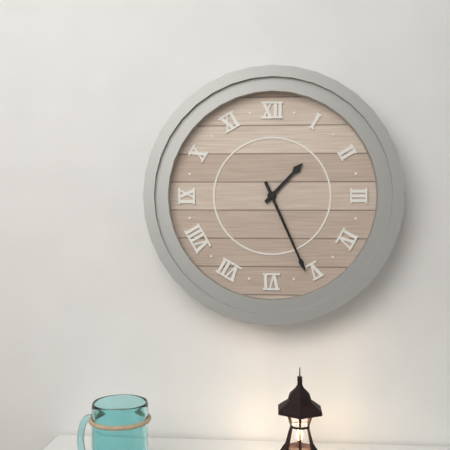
1:26
